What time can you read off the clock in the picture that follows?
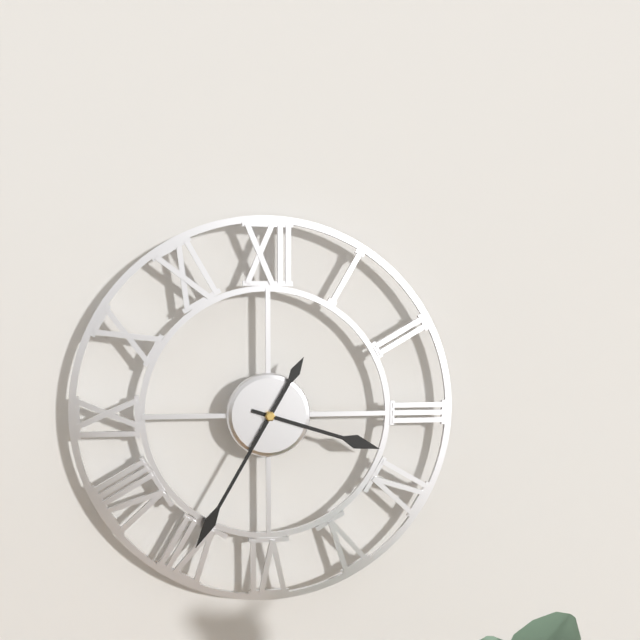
3:35
